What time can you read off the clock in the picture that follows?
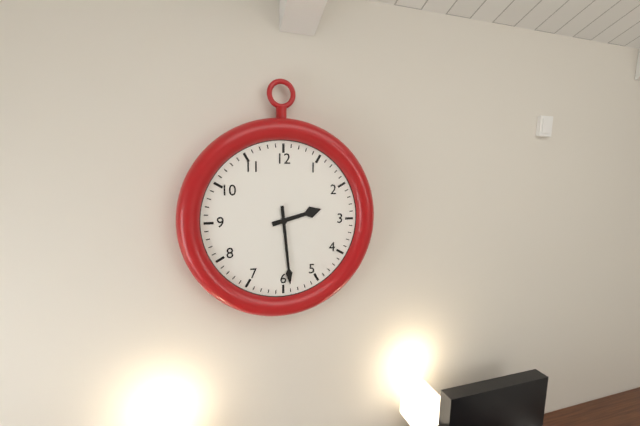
2:29
